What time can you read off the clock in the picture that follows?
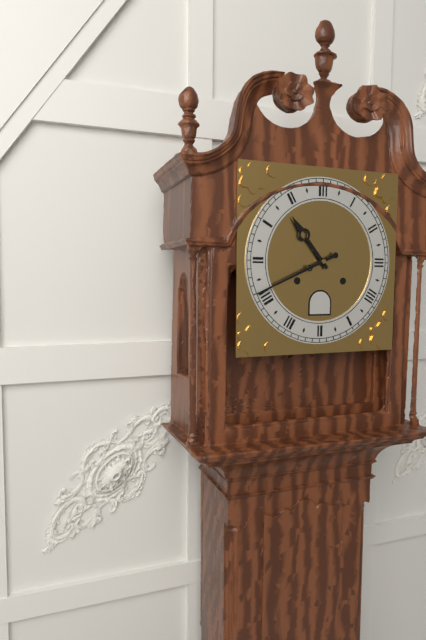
10:41
